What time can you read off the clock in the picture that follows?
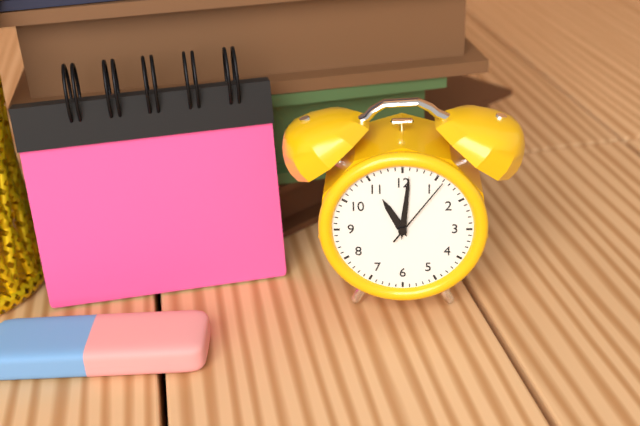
11:01:06
